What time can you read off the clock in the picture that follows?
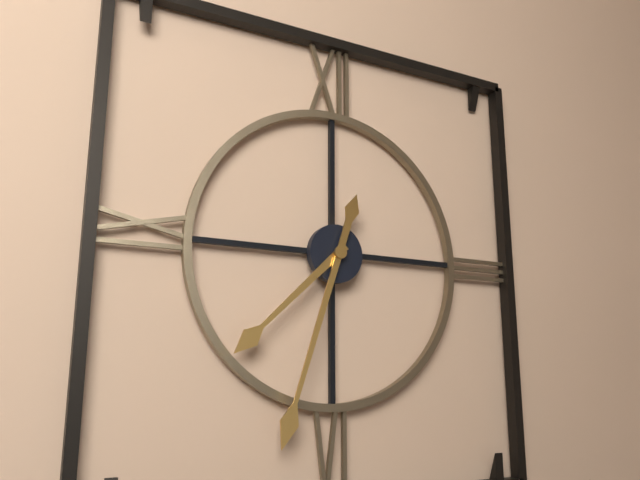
7:33
